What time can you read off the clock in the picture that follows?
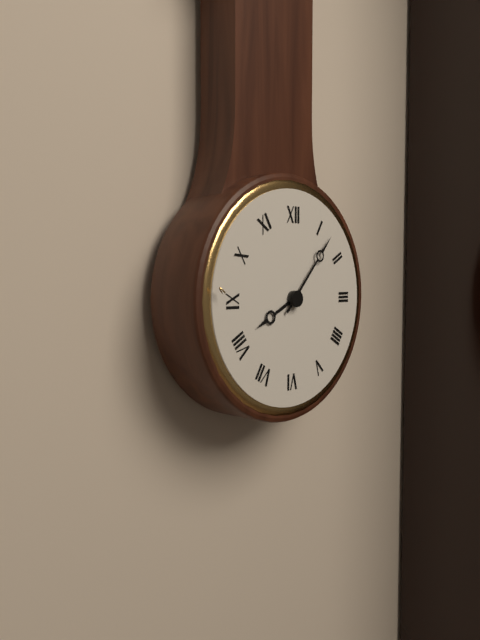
8:07
